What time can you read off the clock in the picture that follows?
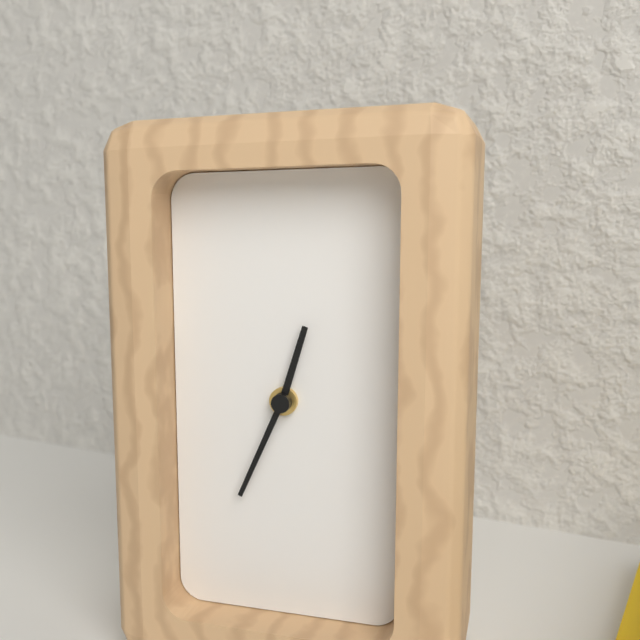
12:34
